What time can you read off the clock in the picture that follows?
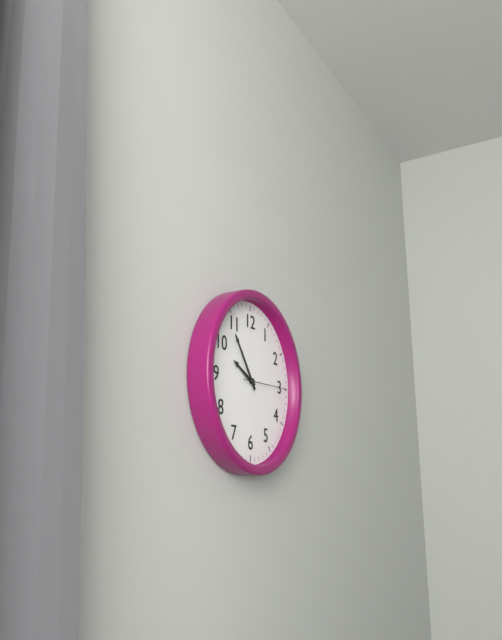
9:54:15
